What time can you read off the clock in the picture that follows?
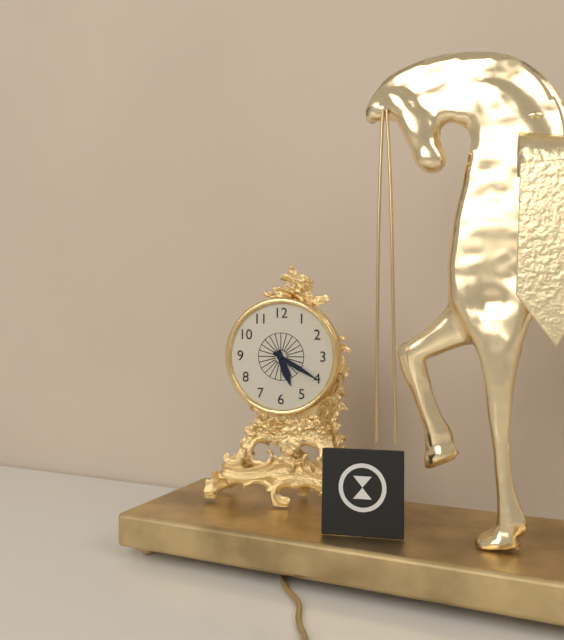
5:20
